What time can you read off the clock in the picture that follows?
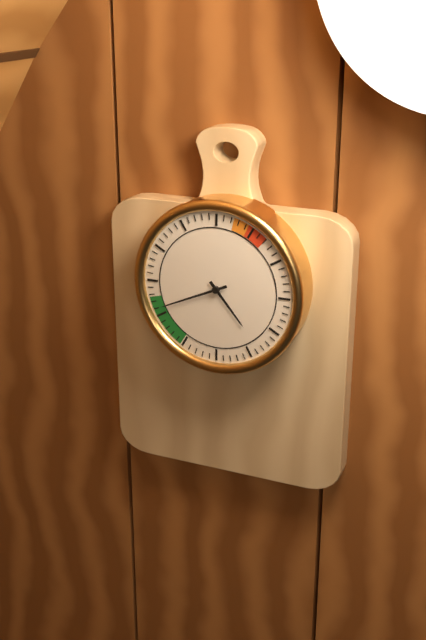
4:41
